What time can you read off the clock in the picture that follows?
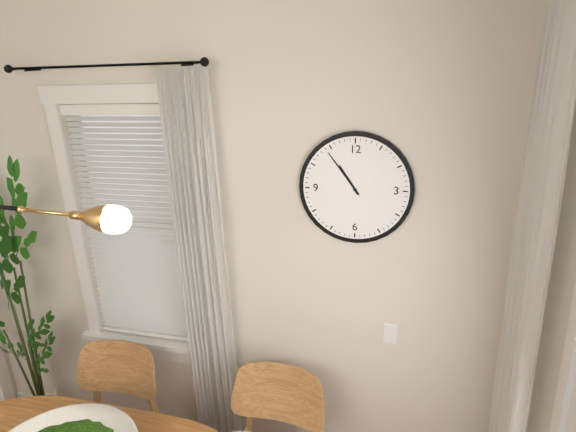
10:54
